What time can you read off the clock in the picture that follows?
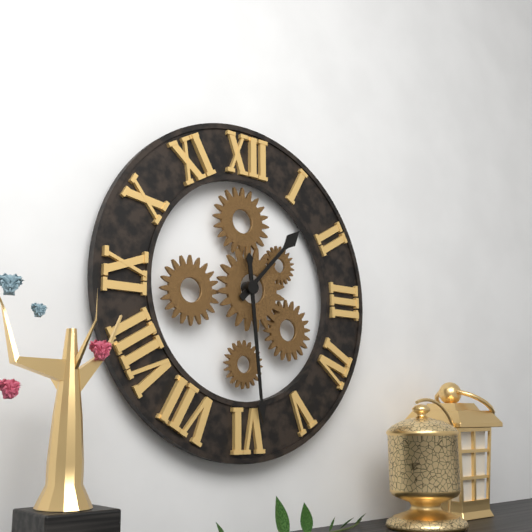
1:29
